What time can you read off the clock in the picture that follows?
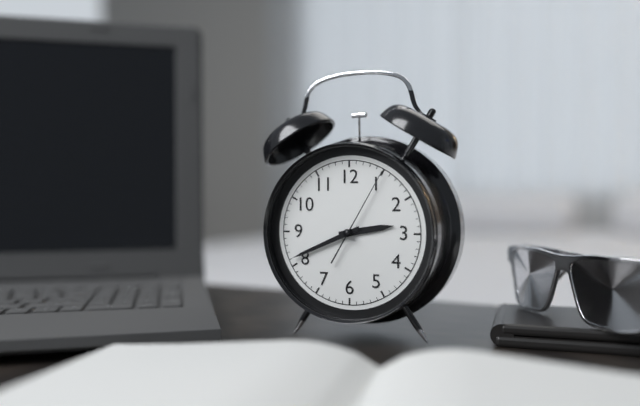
2:41:05
